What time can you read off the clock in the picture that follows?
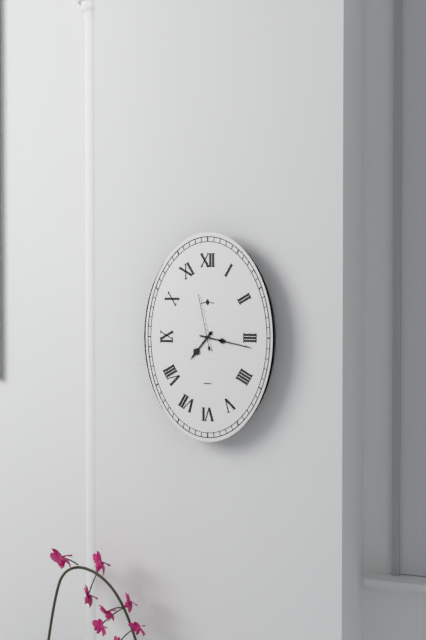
7:17:58
